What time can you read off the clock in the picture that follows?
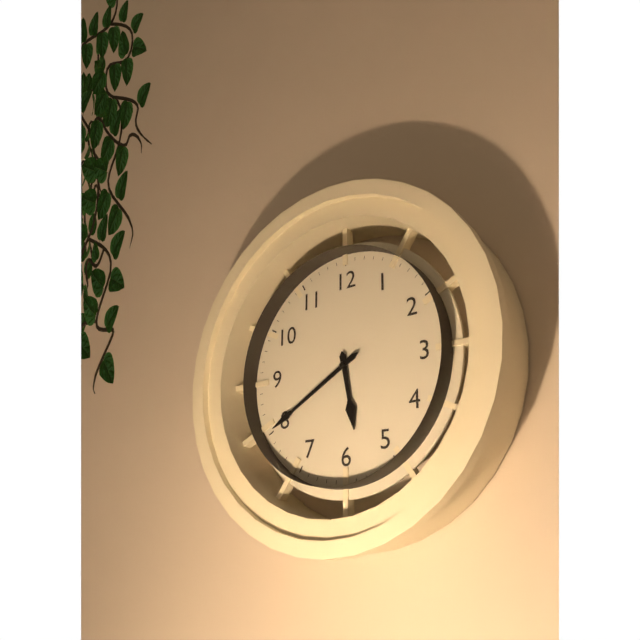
5:40
